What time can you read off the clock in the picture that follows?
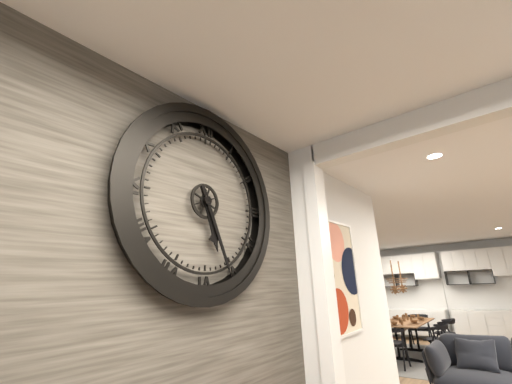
5:26
